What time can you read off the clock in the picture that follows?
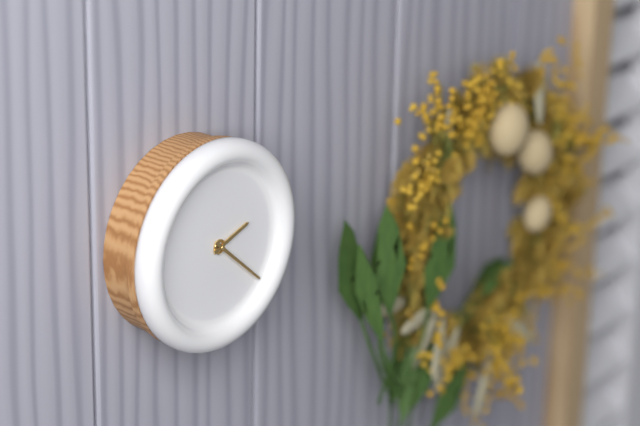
2:22
